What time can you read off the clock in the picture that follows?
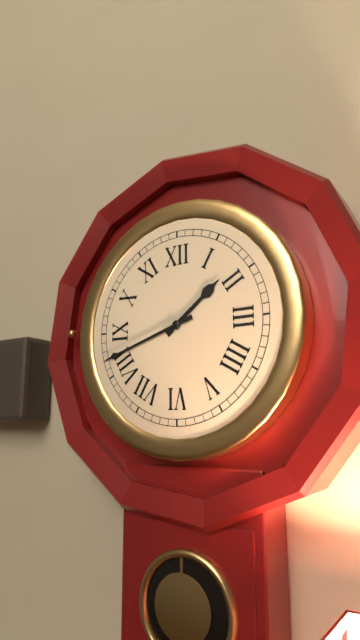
1:42
